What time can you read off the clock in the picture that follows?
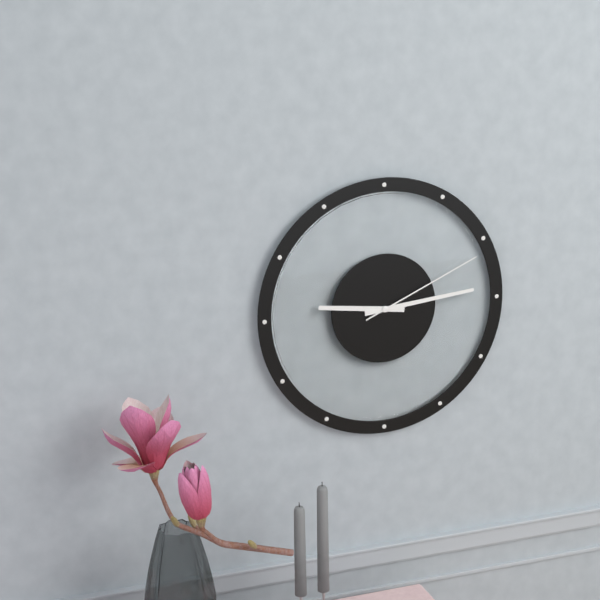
9:14:11
